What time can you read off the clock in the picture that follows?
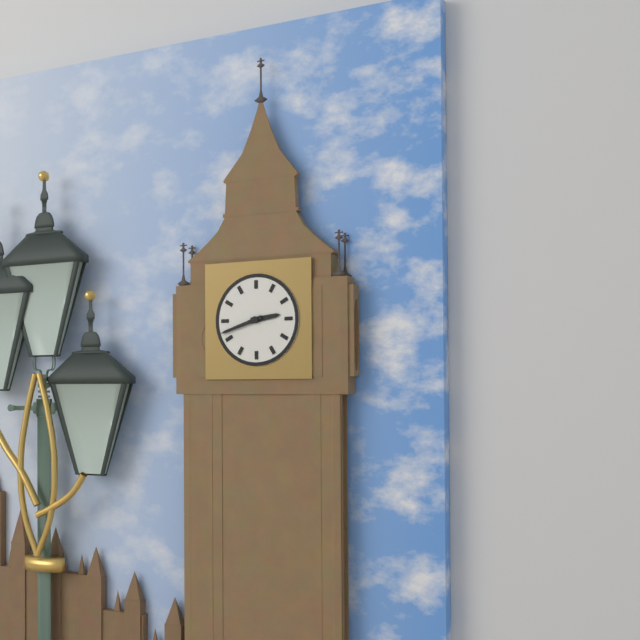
2:42
